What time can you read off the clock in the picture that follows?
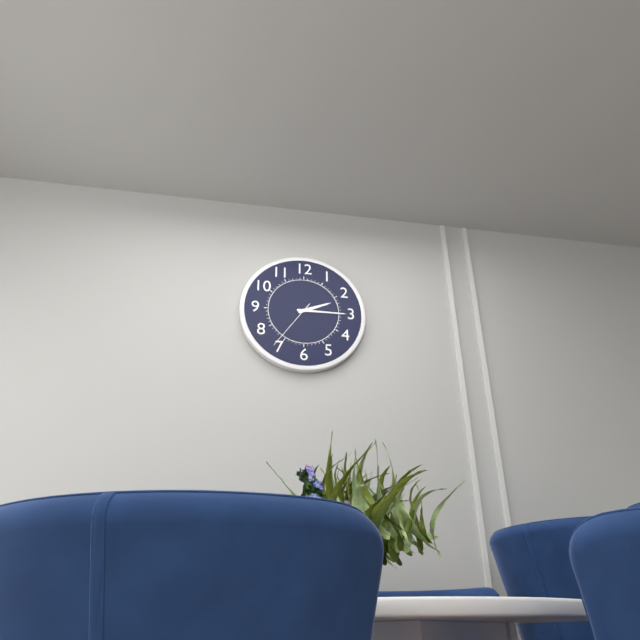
2:15:36
